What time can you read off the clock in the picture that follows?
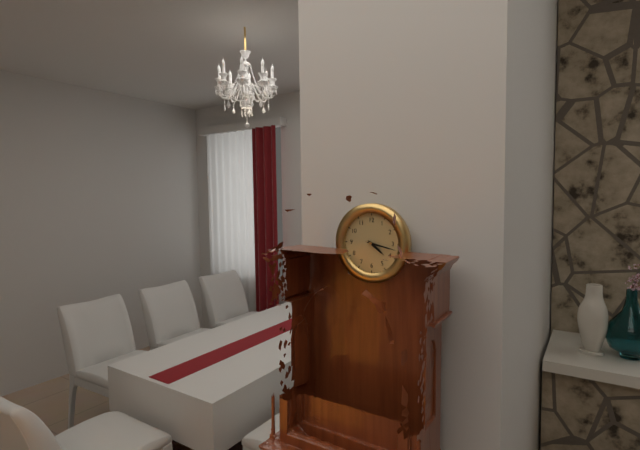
4:17
